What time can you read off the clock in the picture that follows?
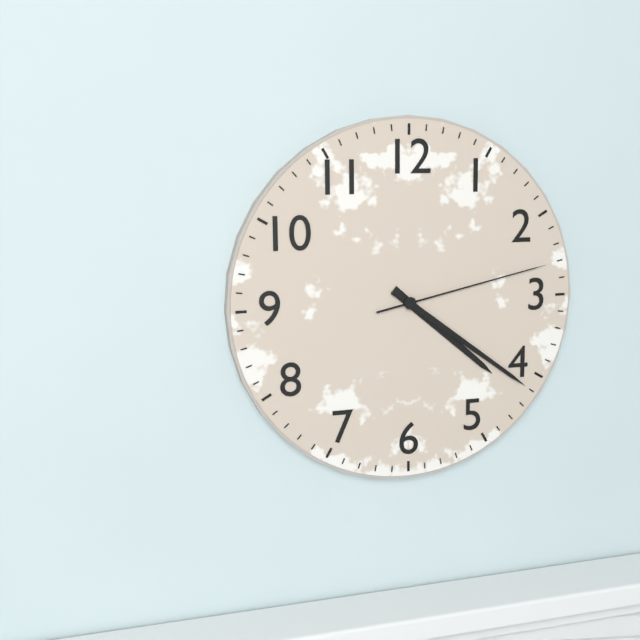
4:21:13
